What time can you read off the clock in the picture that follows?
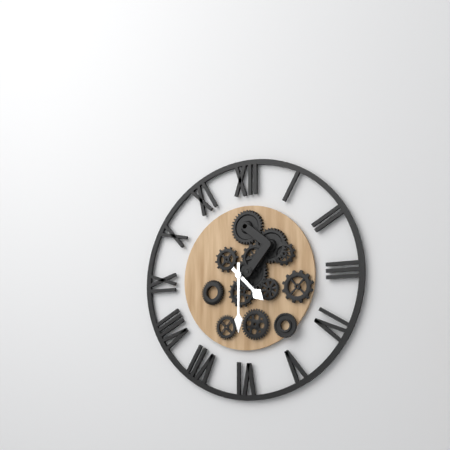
4:30
